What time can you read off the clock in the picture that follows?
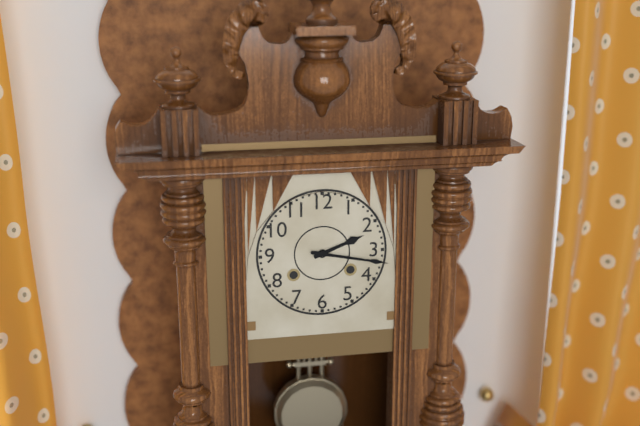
2:17
